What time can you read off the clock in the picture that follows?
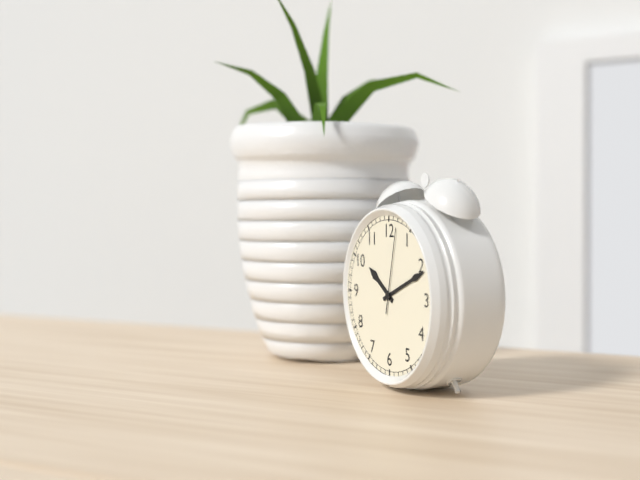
10:11:02
